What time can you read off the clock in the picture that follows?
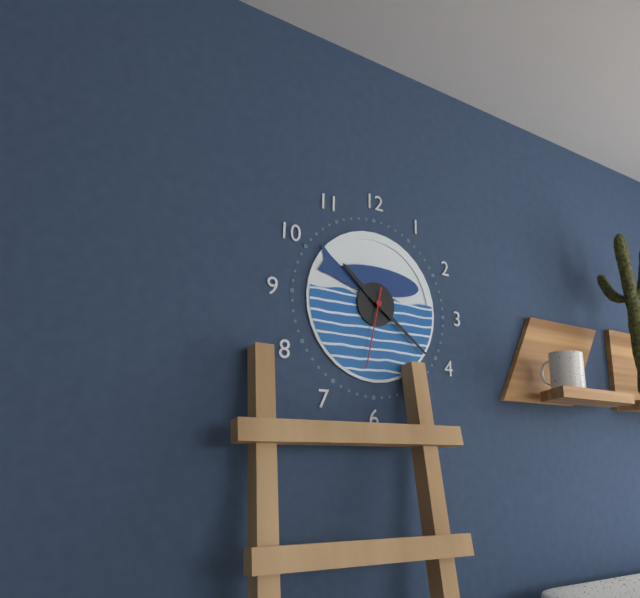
10:21:32
